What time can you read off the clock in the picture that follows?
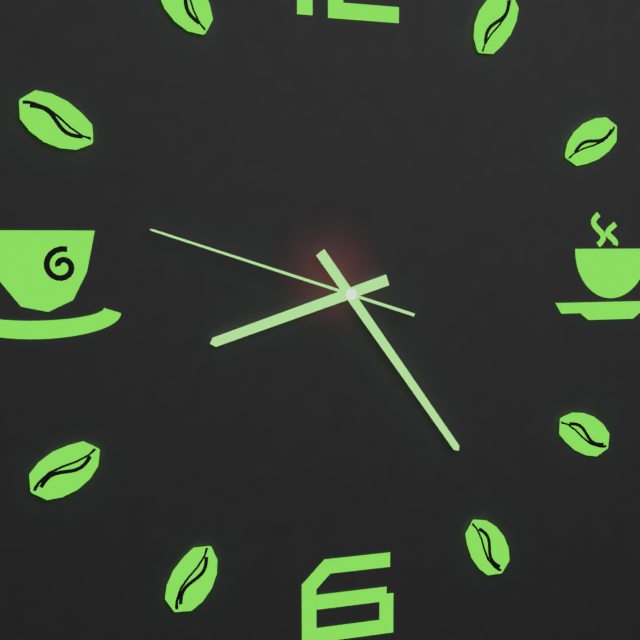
8:24:48
